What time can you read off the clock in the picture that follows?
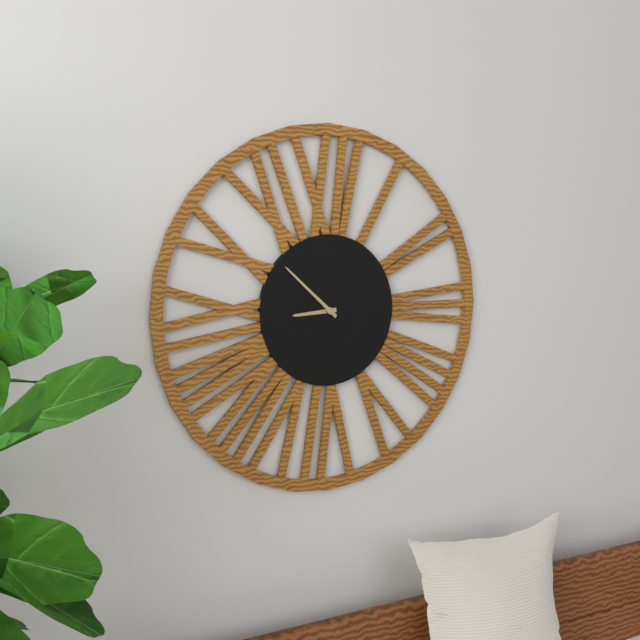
8:52
